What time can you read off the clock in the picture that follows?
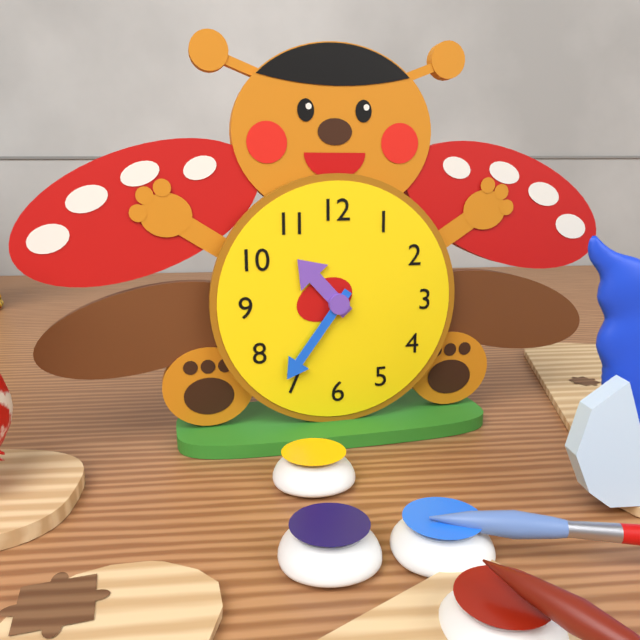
10:36
